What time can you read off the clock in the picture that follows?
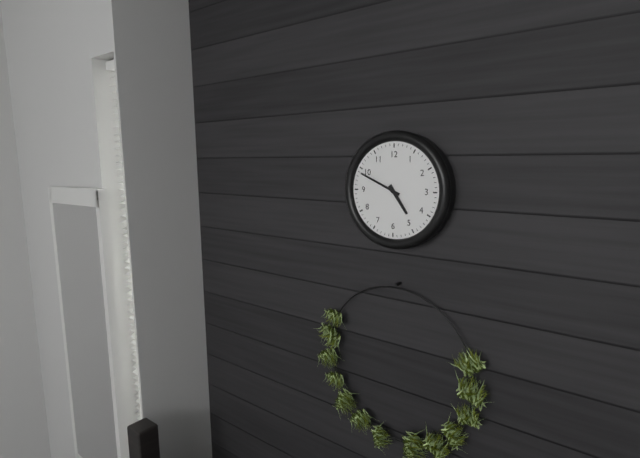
4:49
